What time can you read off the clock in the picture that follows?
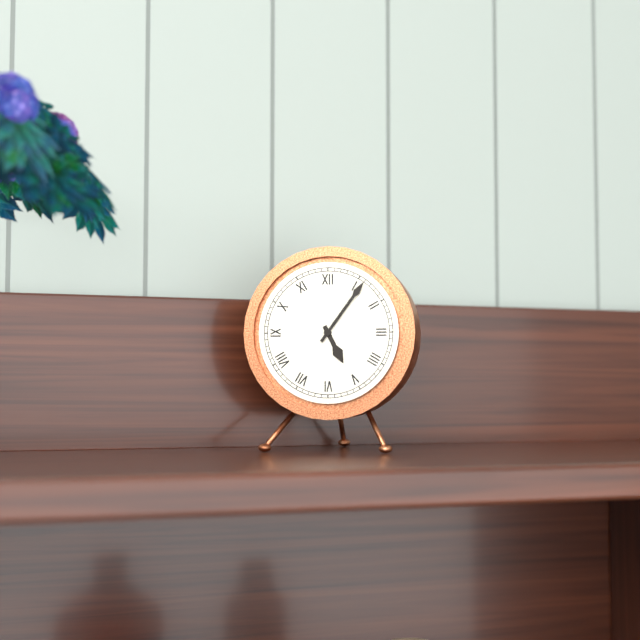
5:06
